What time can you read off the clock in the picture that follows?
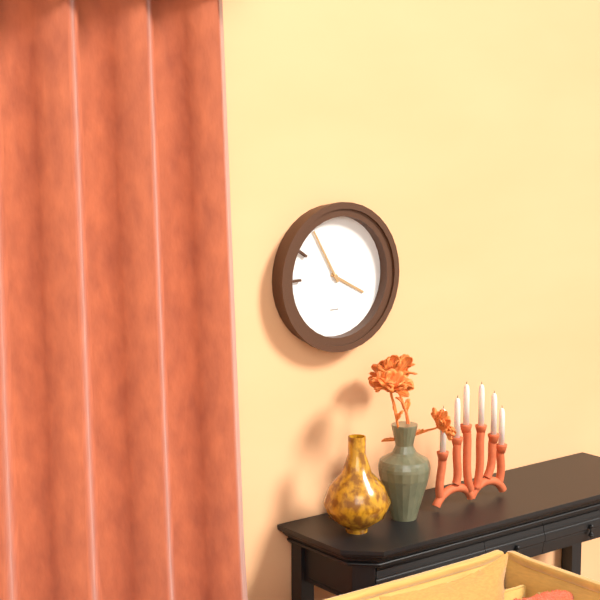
3:55
